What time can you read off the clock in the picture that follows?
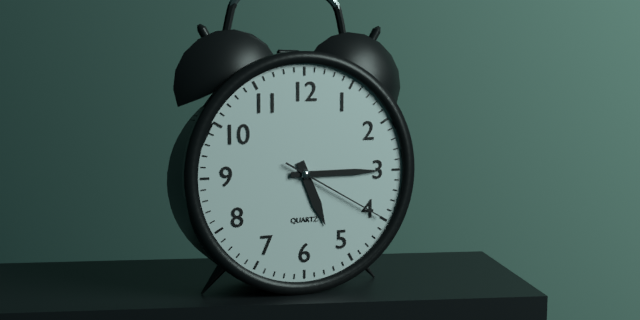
5:15:20
